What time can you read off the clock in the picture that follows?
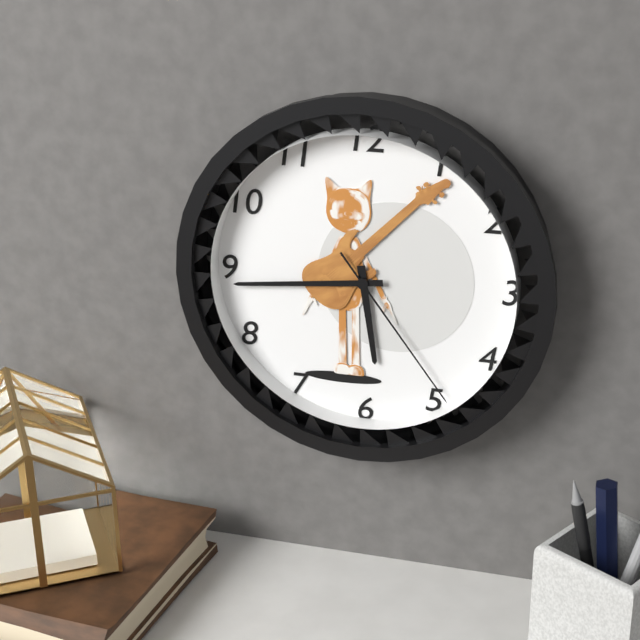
5:44:24
